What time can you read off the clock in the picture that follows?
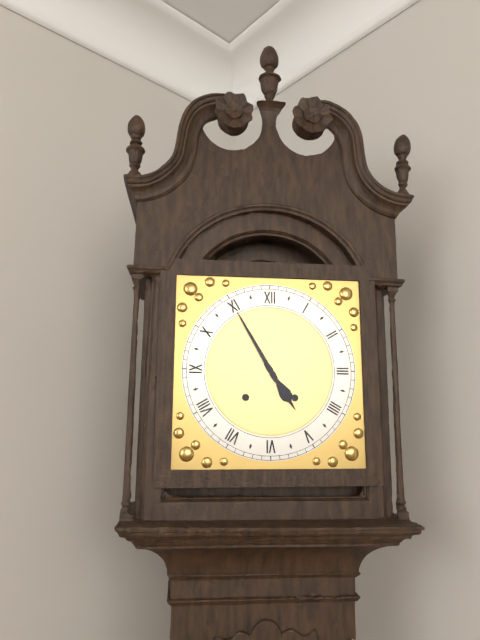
4:55
